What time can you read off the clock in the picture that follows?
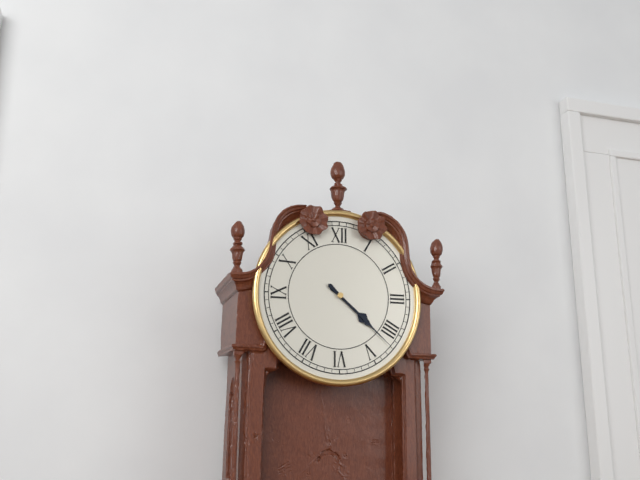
4:22
